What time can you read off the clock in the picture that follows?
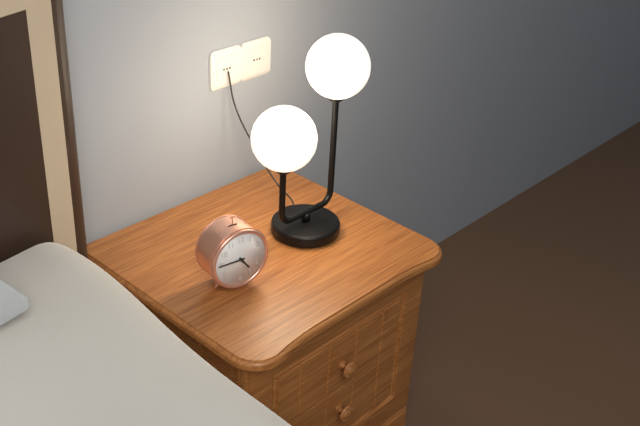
4:45
